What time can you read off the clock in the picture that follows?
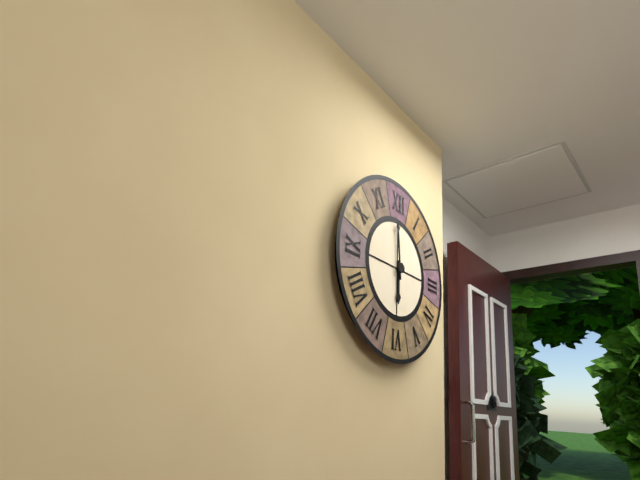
5:59
